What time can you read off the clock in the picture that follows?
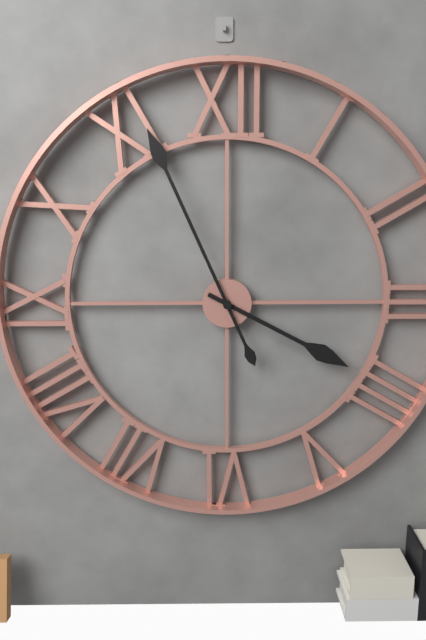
3:56
